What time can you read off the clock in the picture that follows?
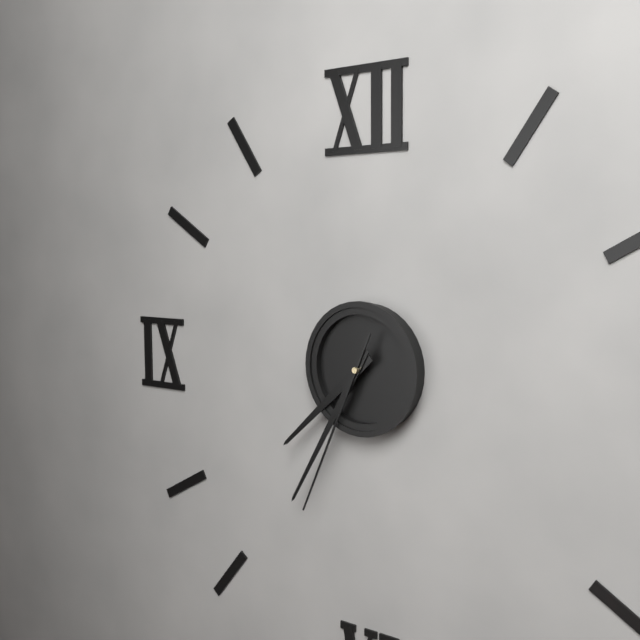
7:35:34
